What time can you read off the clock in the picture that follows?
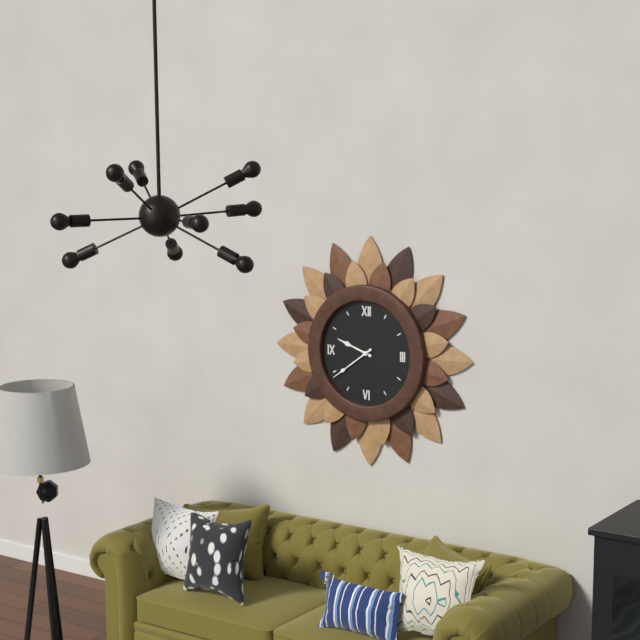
9:39
